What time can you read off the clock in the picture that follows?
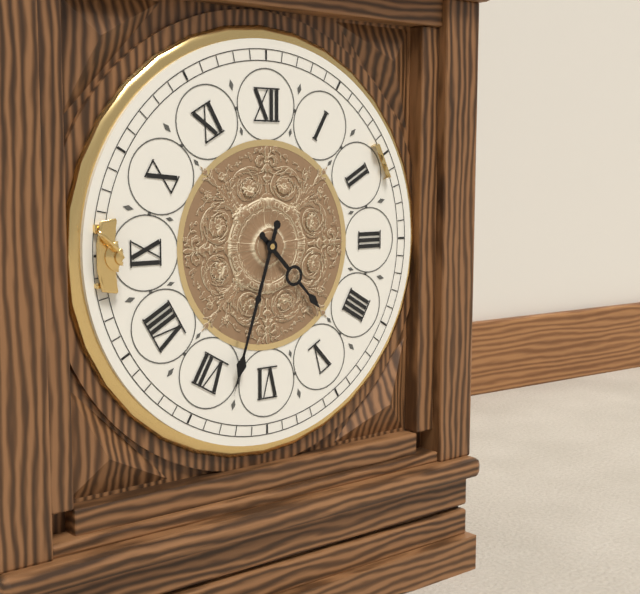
4:33
